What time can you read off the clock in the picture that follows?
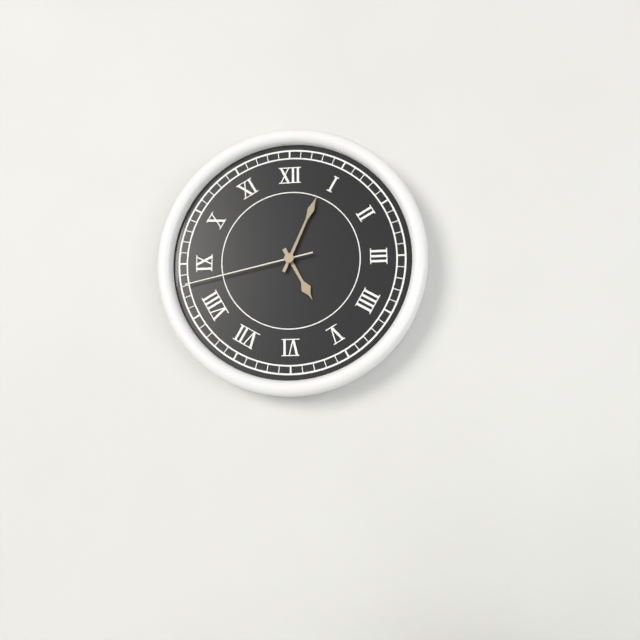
5:04:43
